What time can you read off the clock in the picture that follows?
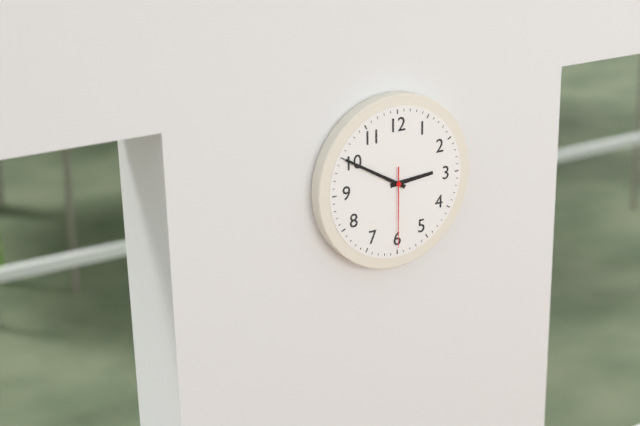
2:50:30
